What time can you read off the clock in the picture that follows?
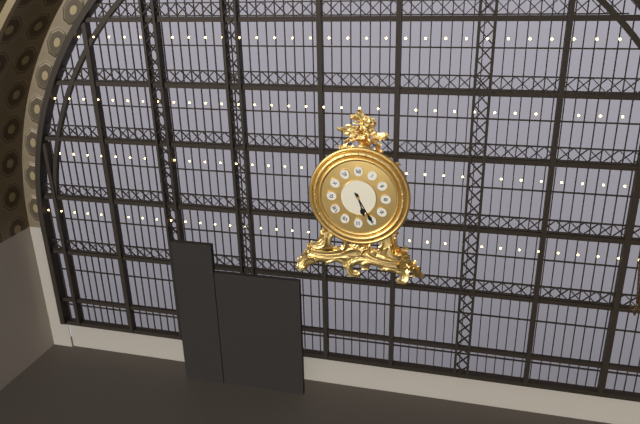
5:25
